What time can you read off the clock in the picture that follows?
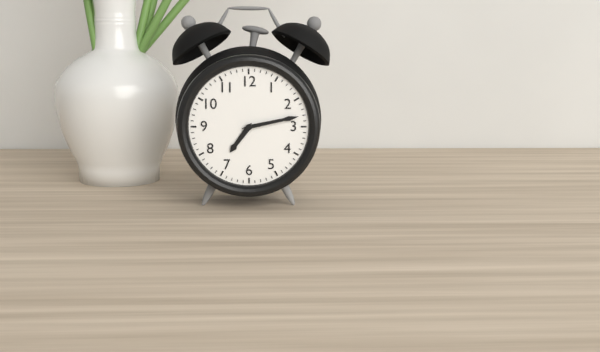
7:13
